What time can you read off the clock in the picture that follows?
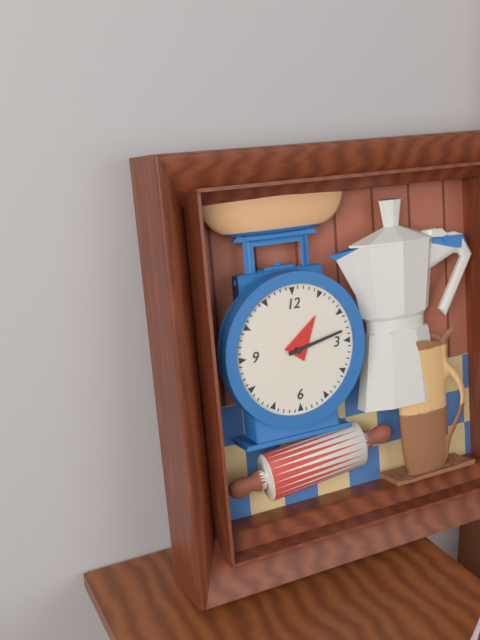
1:13
